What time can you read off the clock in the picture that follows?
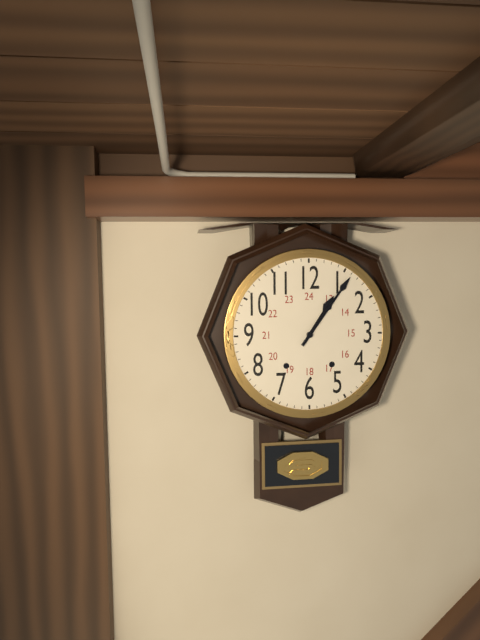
1:06
